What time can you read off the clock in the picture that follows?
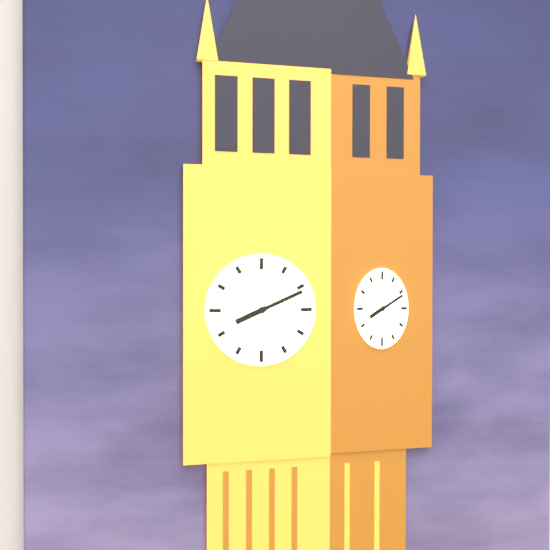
8:11
